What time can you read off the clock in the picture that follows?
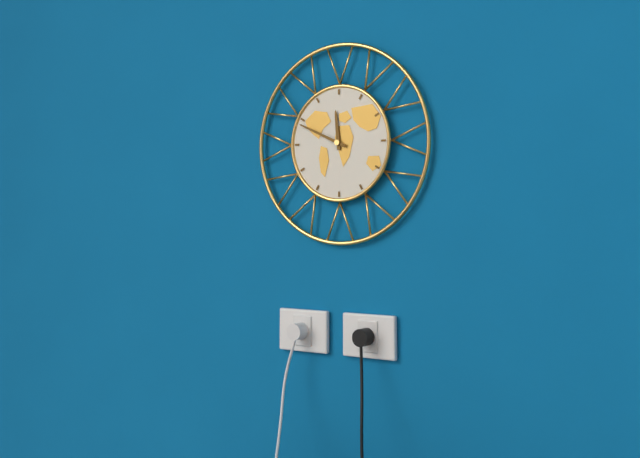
11:49
